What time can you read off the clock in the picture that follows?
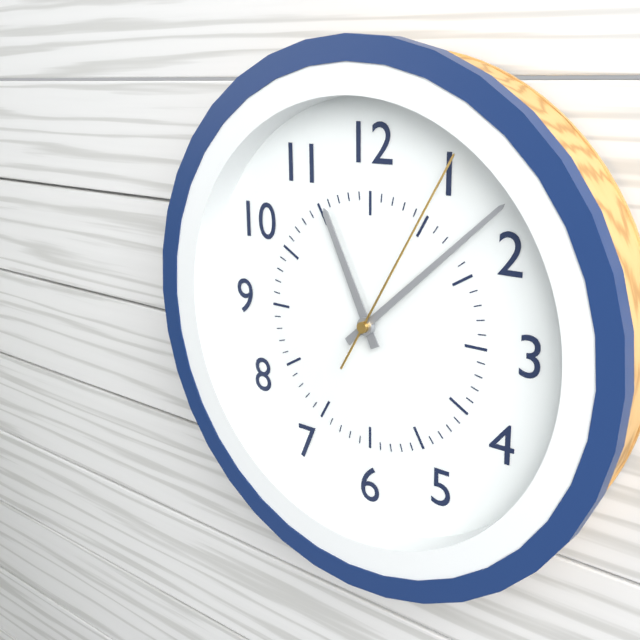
11:08:05
